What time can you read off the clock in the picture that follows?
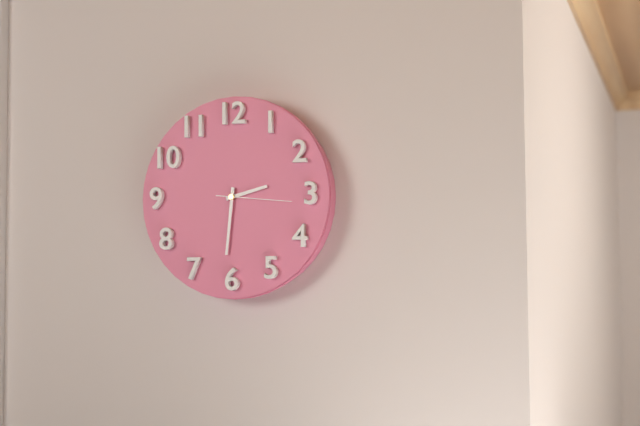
2:31:16
